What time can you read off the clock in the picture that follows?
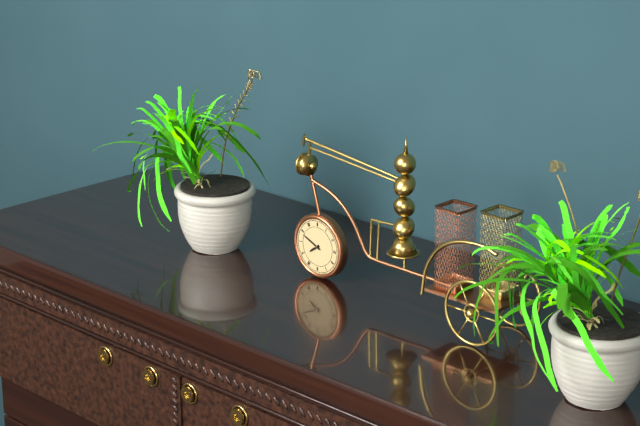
7:49
